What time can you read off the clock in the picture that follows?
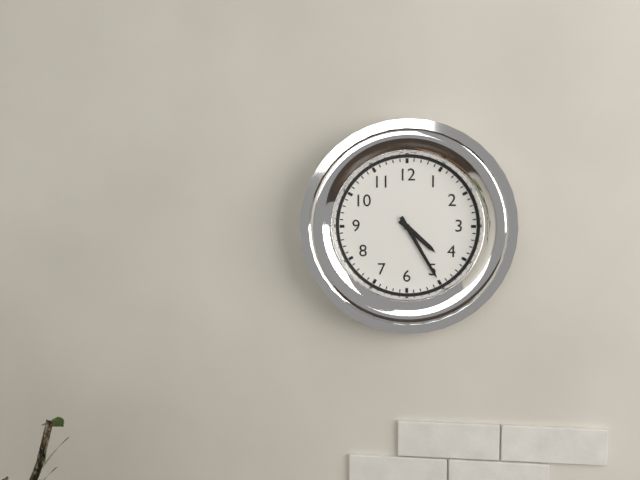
4:25
